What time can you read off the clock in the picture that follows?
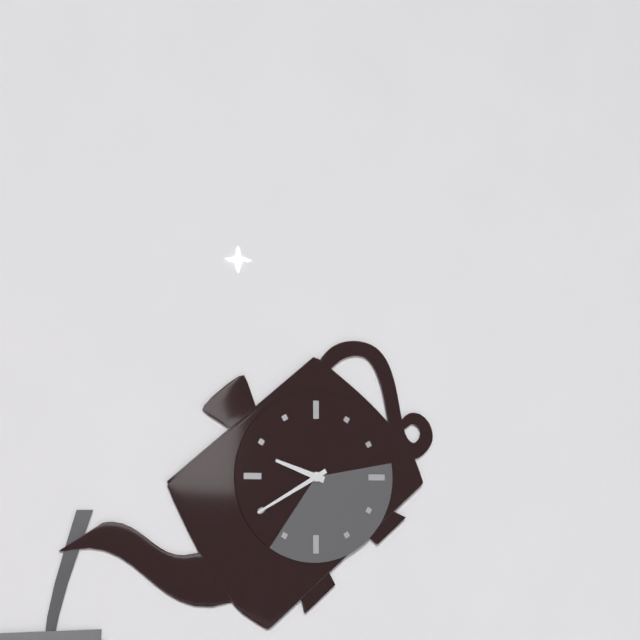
9:40
